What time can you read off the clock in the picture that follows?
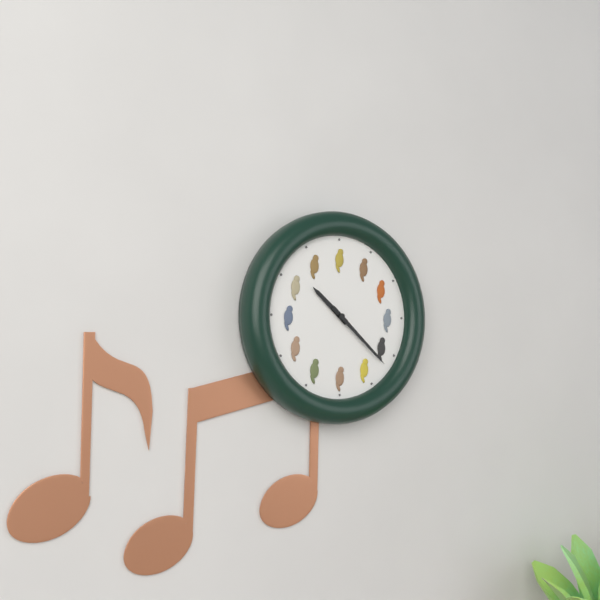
10:22
